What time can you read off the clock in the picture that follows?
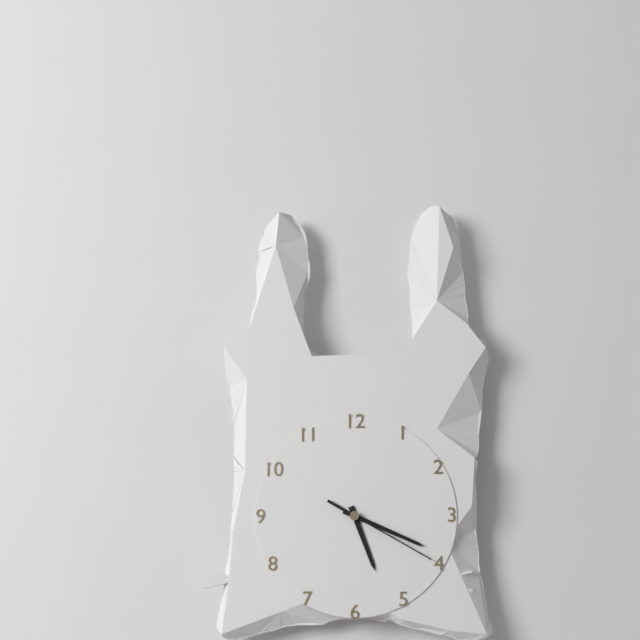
5:19:20
